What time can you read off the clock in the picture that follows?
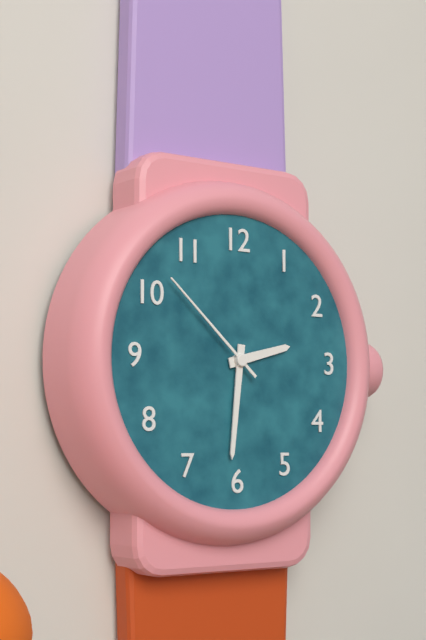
2:31:52
